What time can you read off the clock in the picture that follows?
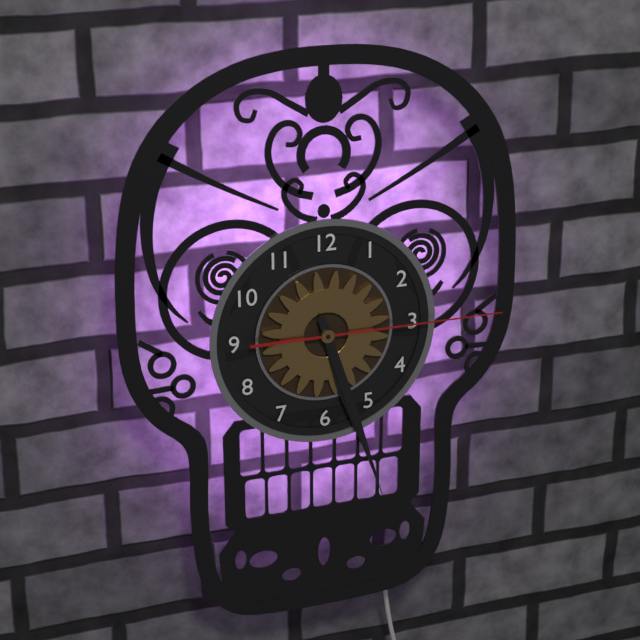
5:27:15
